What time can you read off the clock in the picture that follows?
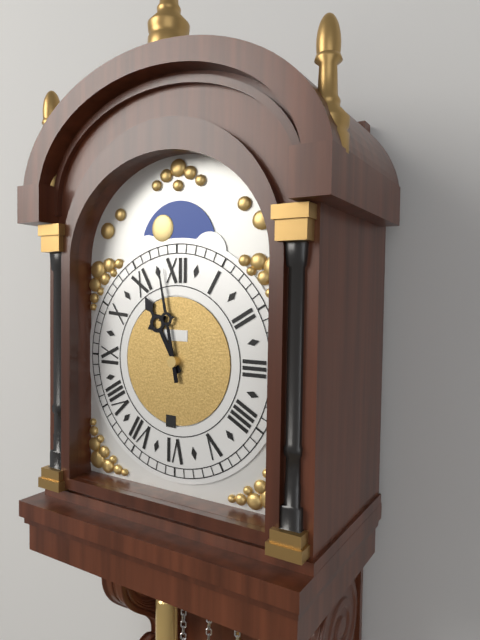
10:58
